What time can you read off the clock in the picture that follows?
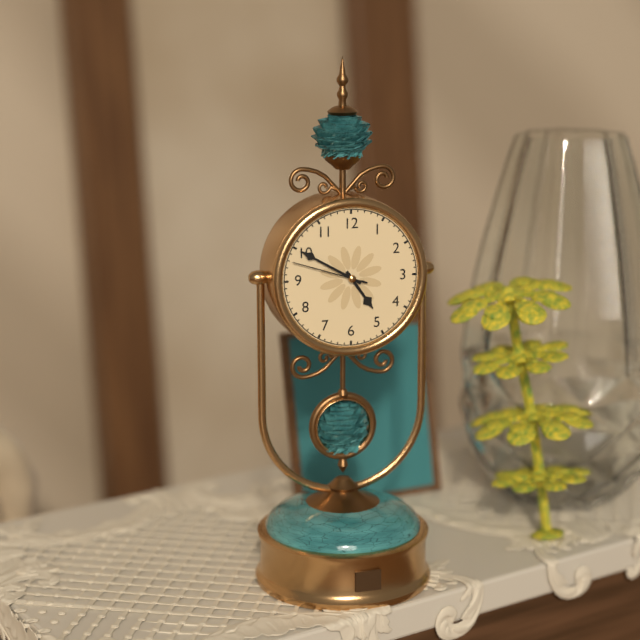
4:50:48
